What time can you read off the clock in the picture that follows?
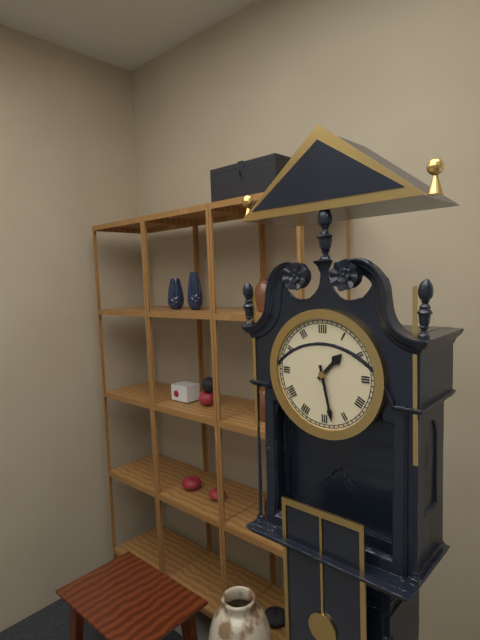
1:28
